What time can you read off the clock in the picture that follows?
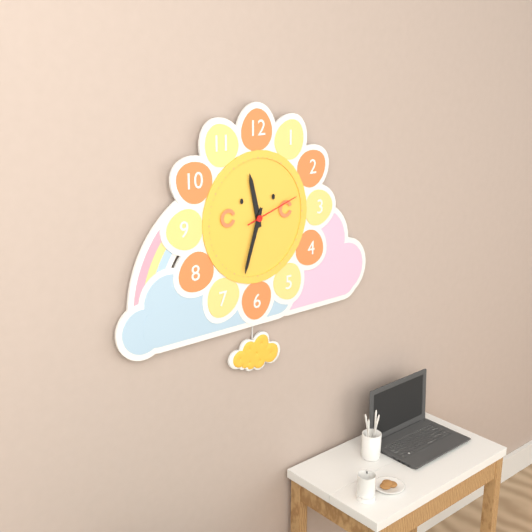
11:33:12
